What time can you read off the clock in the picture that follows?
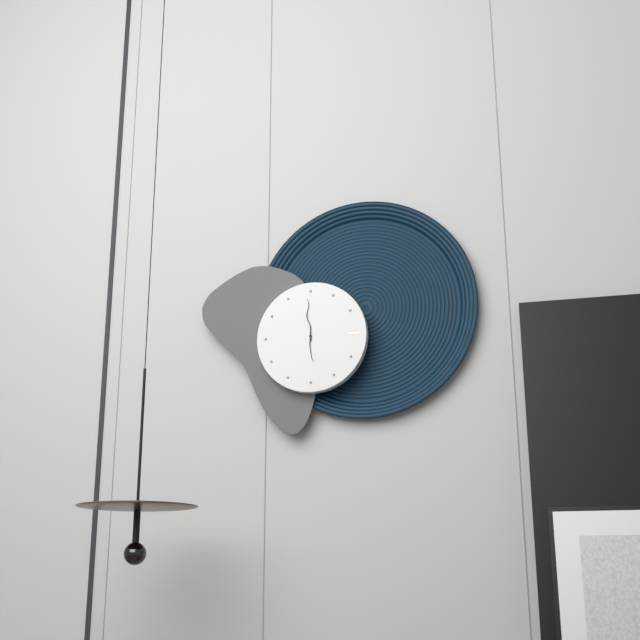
5:59
